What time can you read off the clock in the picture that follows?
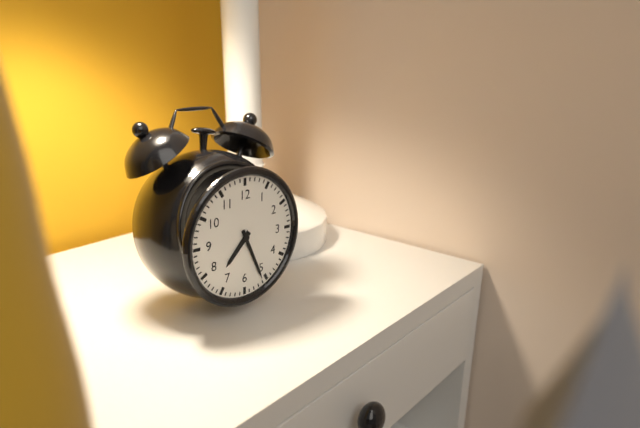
7:26
